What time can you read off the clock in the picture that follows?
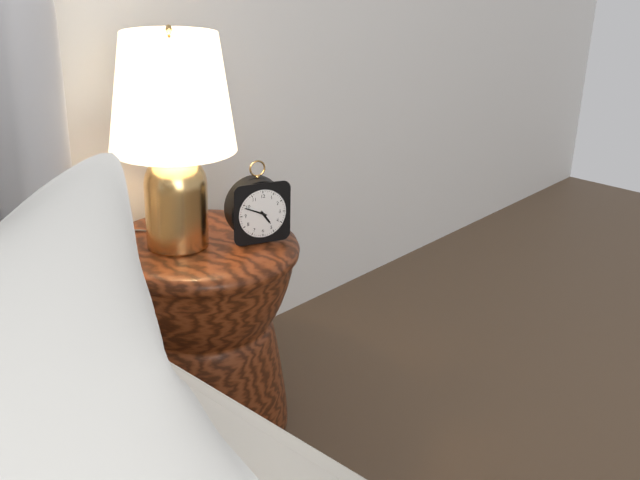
4:49
